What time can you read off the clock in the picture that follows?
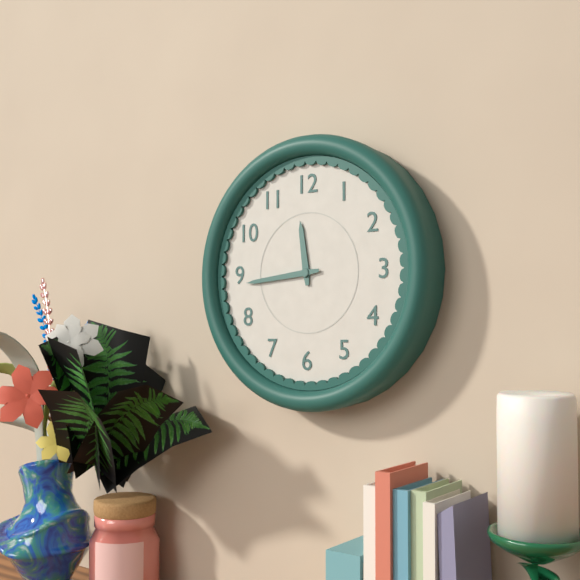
11:44
